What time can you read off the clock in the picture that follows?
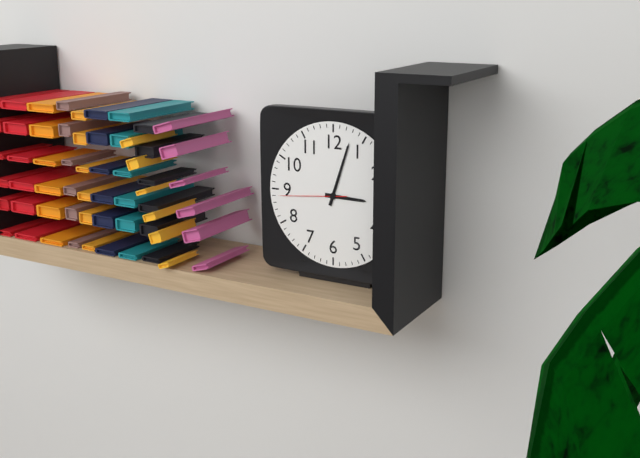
3:03:44
